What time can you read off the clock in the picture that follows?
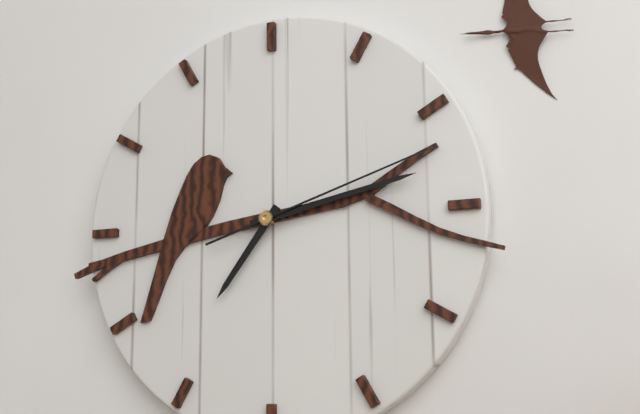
7:13:12
